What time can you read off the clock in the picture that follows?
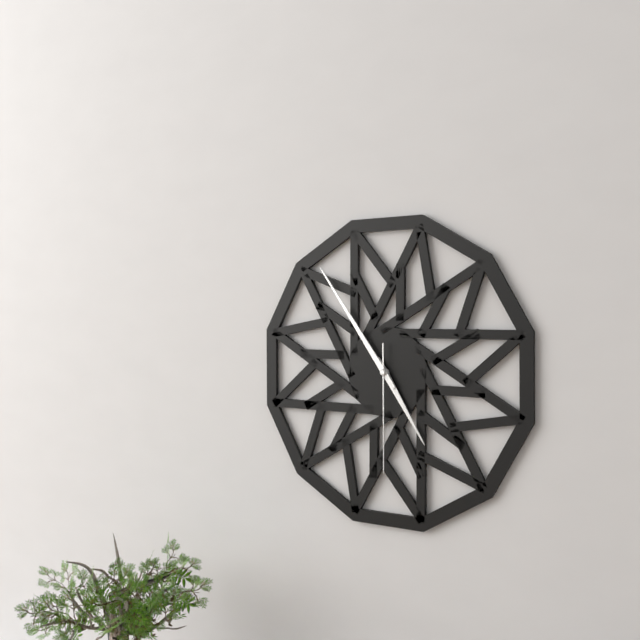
4:54:30
